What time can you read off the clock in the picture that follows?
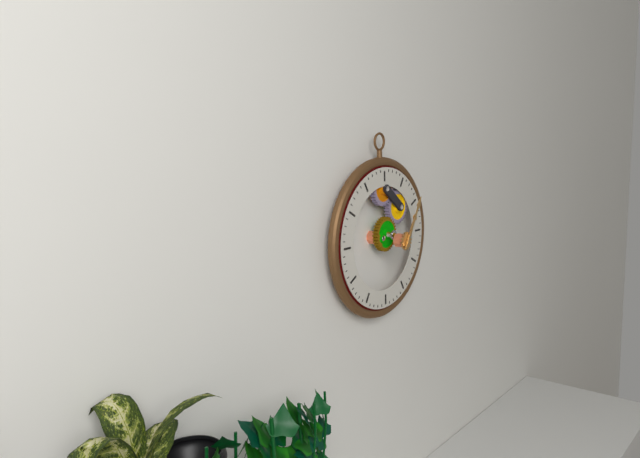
1:05
